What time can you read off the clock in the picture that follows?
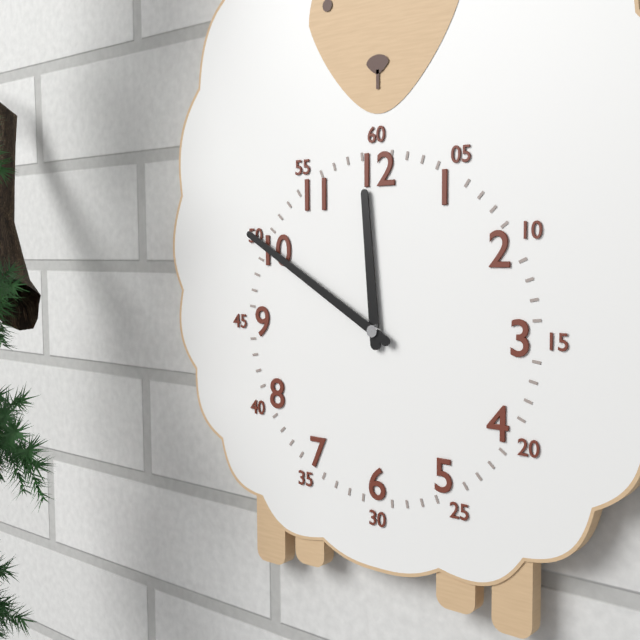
11:50
